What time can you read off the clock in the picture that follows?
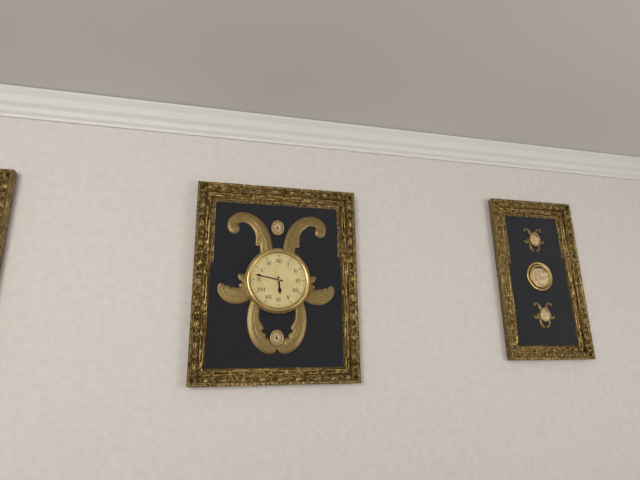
5:47
